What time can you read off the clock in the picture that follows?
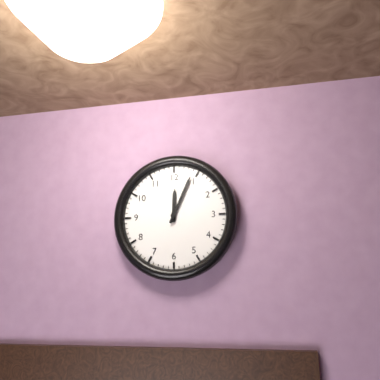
12:04
